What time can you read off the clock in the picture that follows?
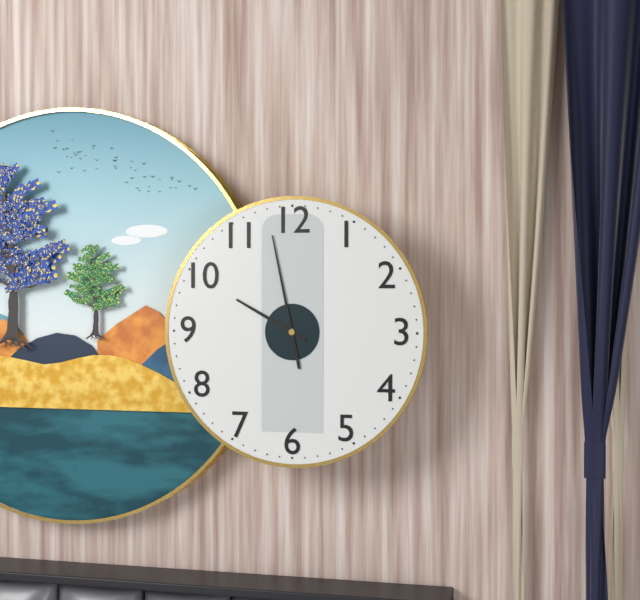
9:58
